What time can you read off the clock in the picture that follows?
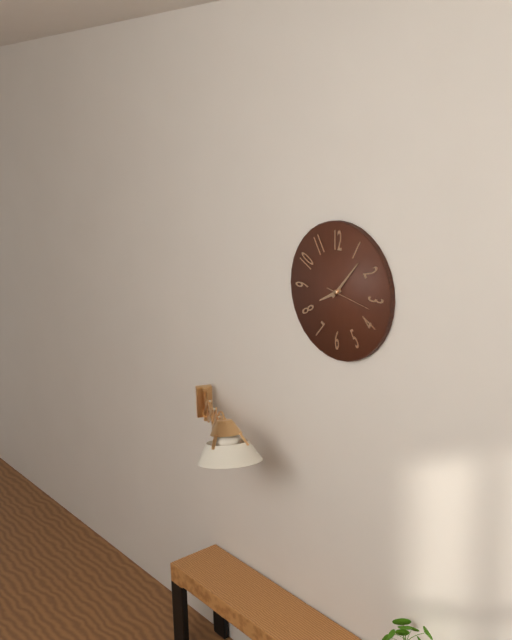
8:07
